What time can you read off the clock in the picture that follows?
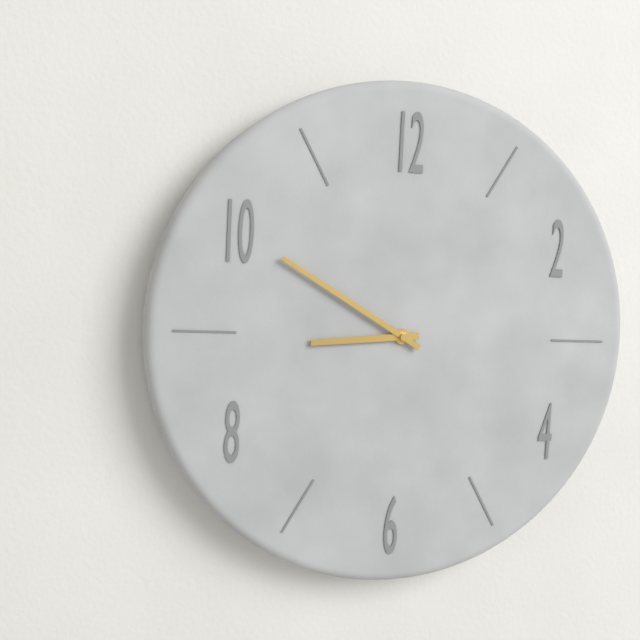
8:50
